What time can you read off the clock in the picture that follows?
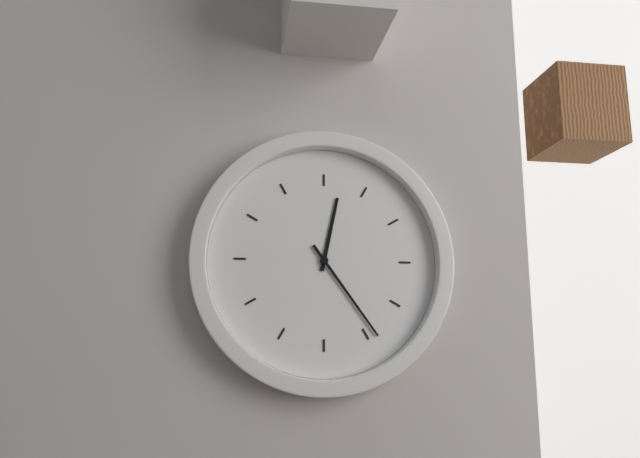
12:24
